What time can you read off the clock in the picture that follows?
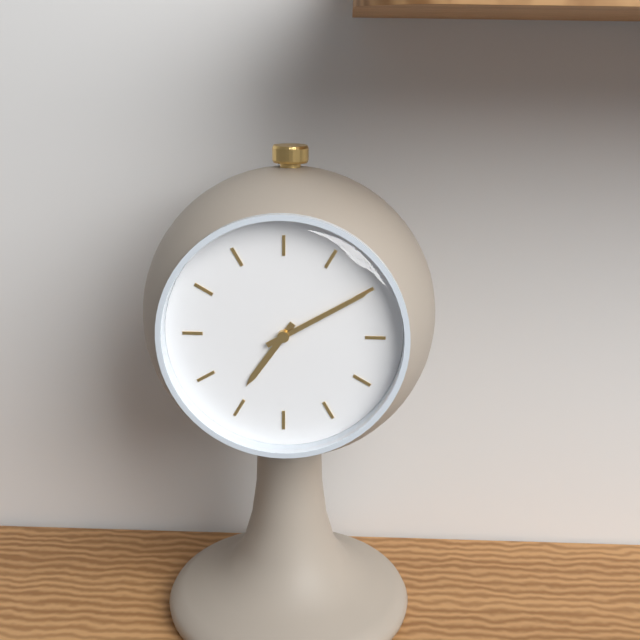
7:10
